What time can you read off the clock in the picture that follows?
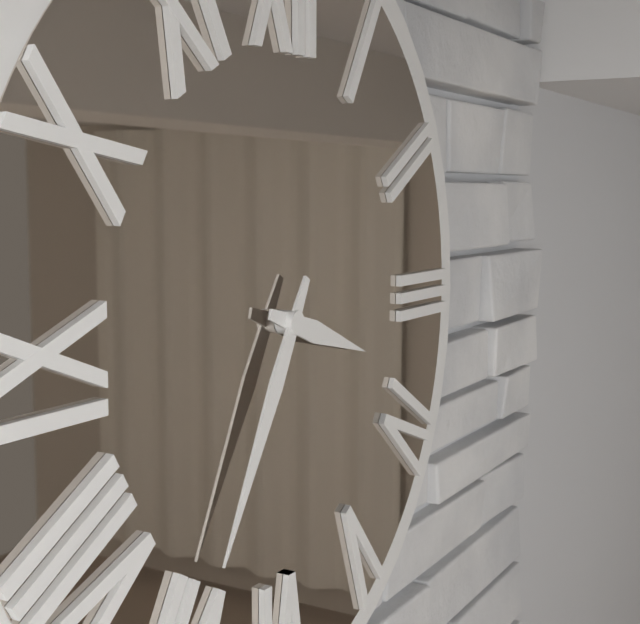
3:35
